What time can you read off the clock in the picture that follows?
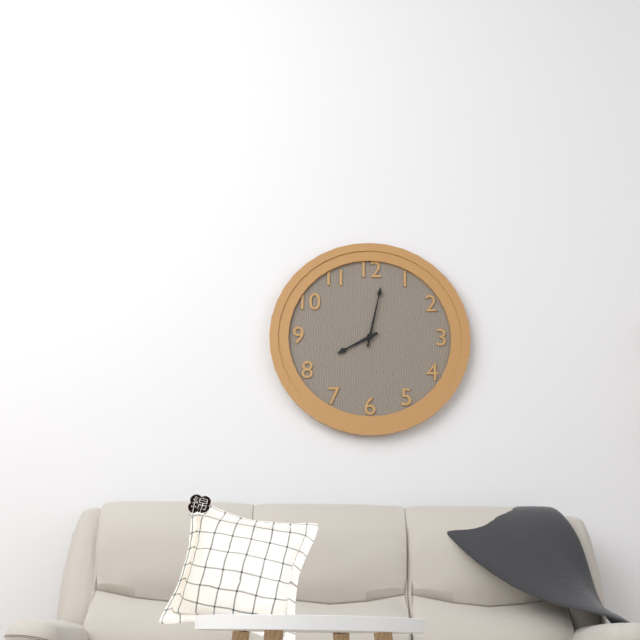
8:02
